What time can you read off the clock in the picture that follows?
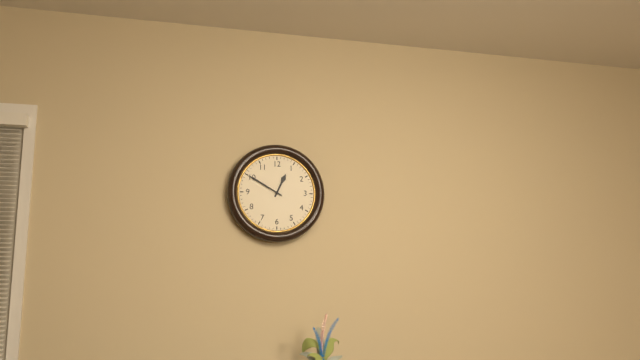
12:50
